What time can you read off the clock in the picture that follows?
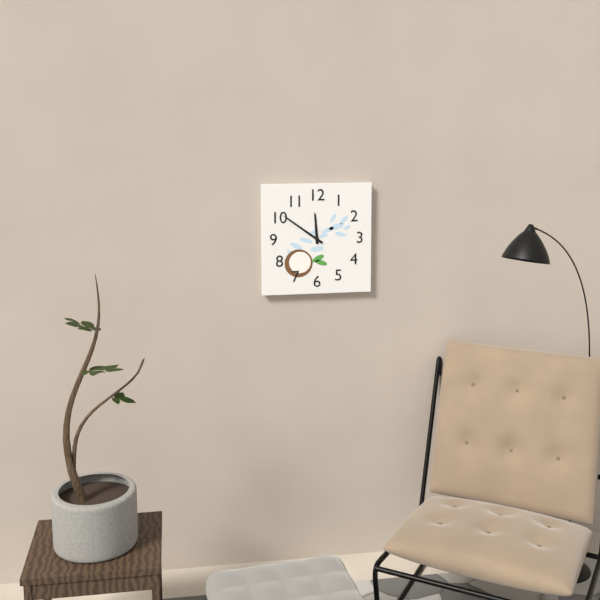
11:51
